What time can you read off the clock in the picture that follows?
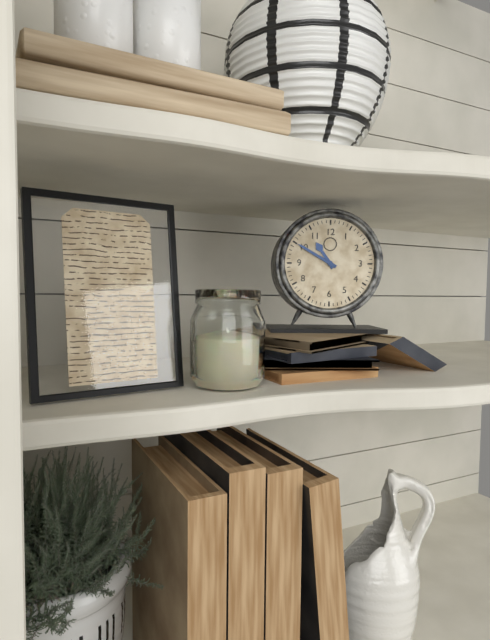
10:50
